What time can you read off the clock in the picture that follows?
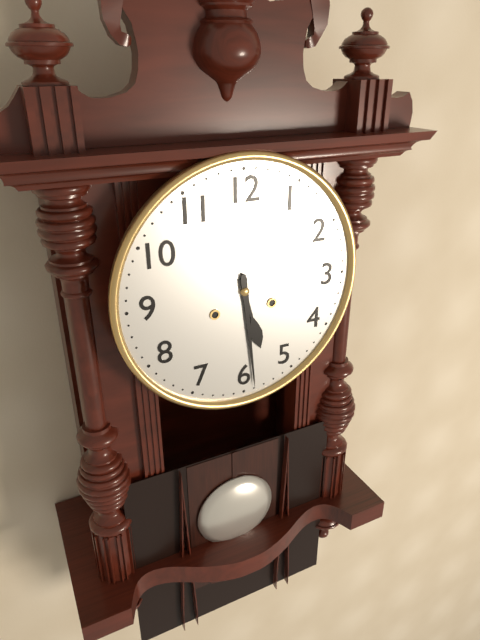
5:29
